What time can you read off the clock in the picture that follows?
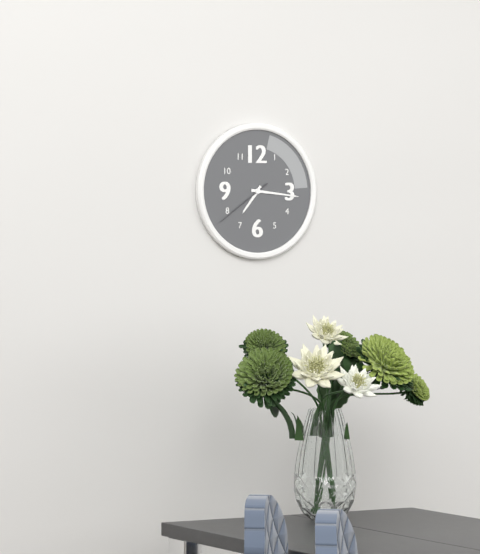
7:16:39
